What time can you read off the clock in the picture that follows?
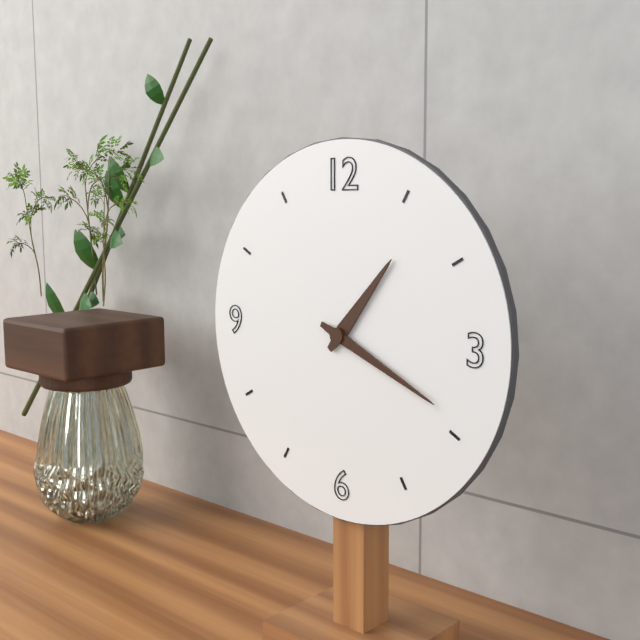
1:19
